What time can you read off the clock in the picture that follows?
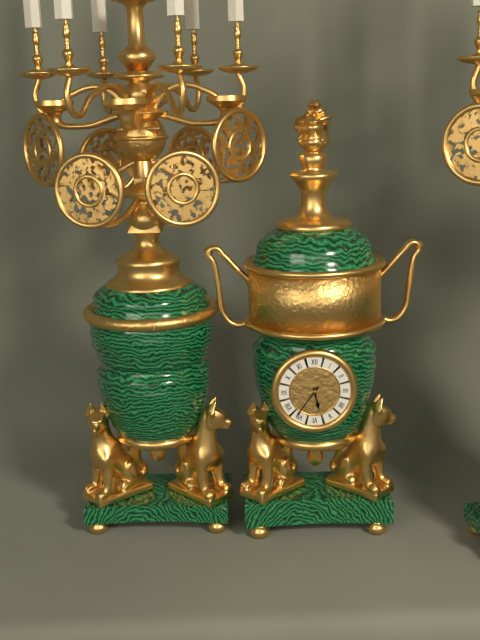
5:36
